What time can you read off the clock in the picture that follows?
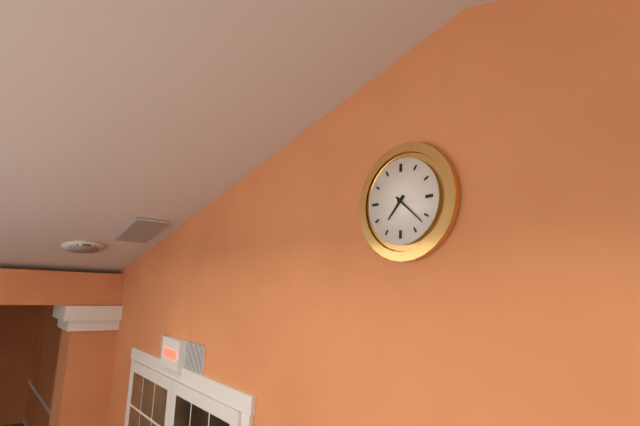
7:22
